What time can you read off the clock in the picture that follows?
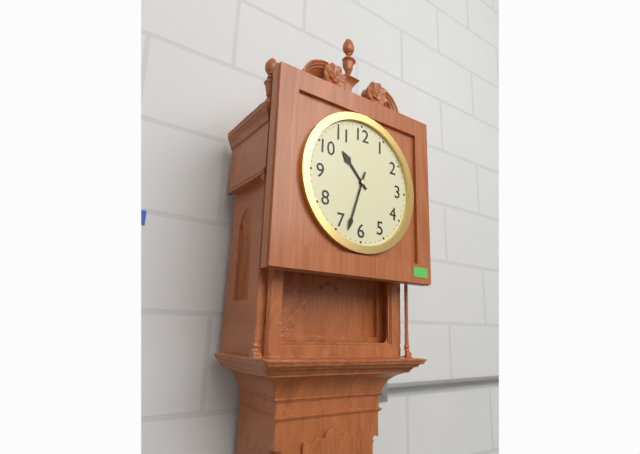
10:33
